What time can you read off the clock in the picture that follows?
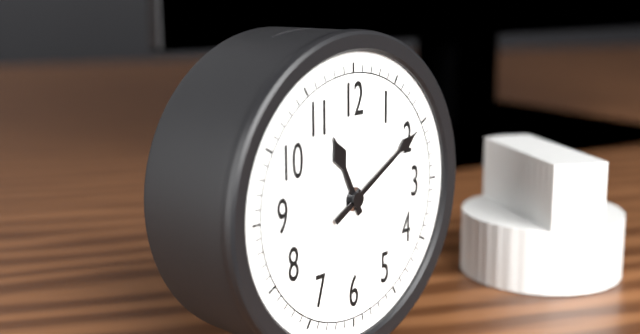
11:10
